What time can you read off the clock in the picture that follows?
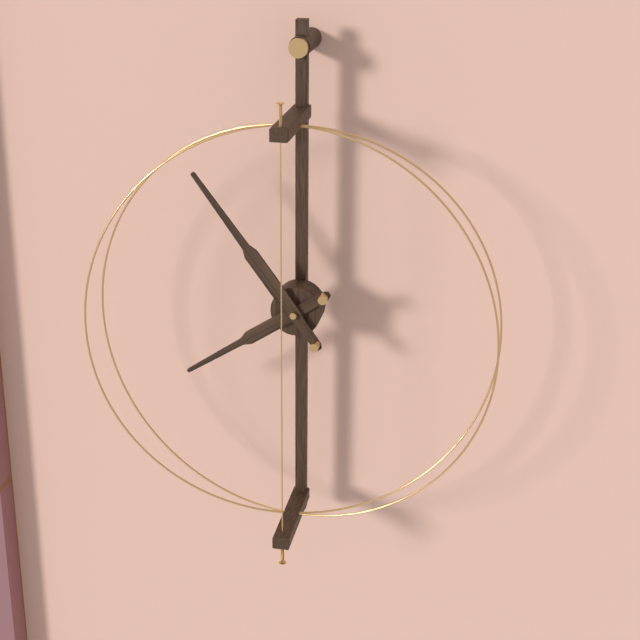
7:54
